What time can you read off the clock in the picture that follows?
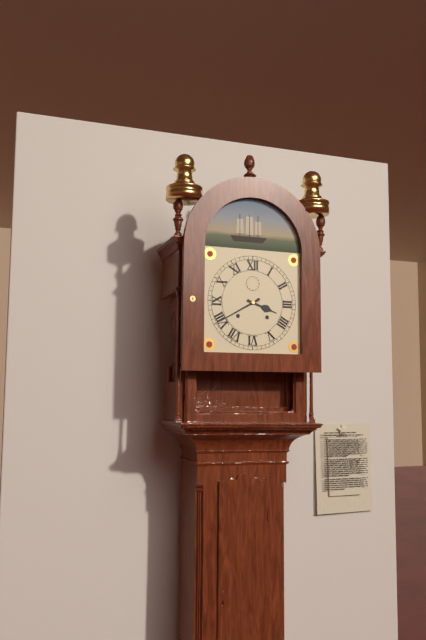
3:40
